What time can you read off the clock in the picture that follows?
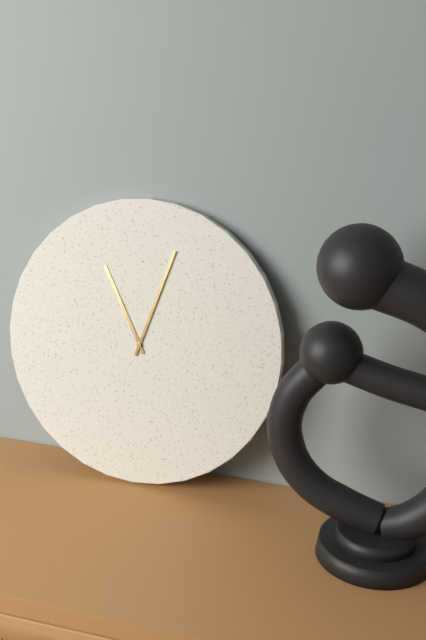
11:03
